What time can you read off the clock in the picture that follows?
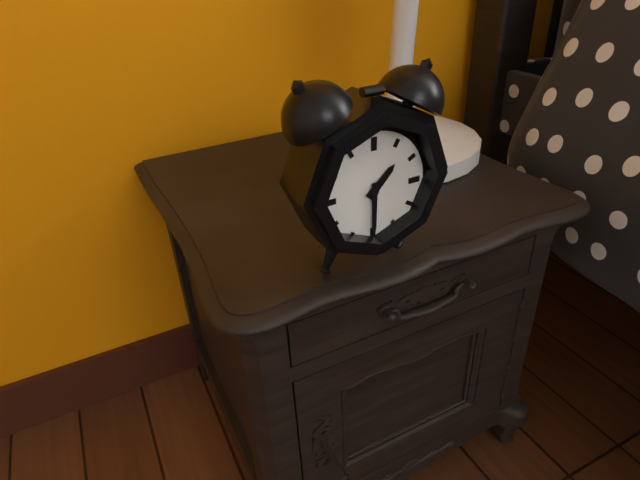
1:30
